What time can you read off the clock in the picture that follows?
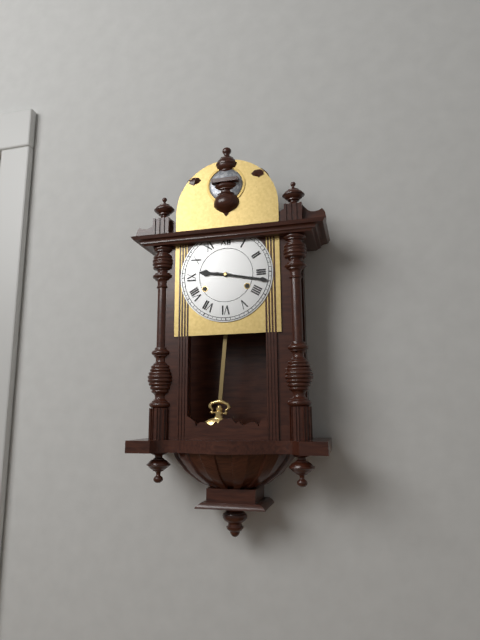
9:17
